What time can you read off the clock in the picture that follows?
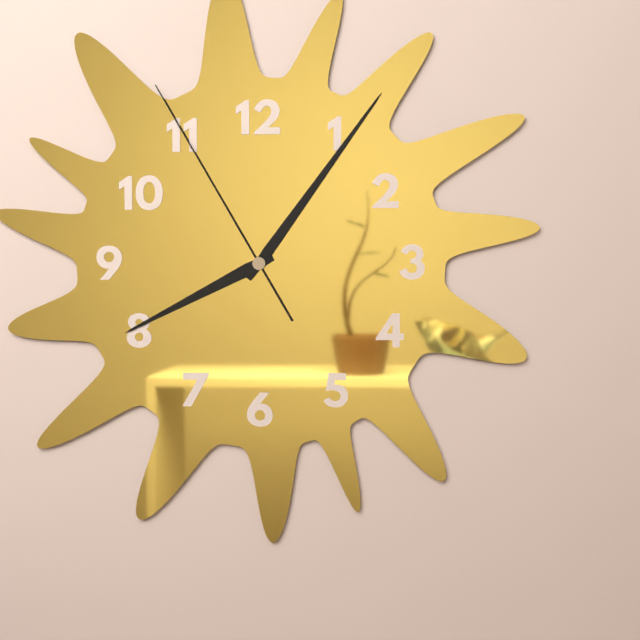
8:06:55
